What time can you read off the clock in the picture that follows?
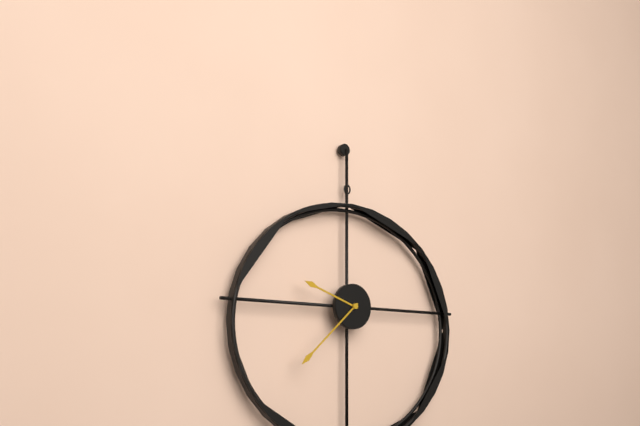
9:38
